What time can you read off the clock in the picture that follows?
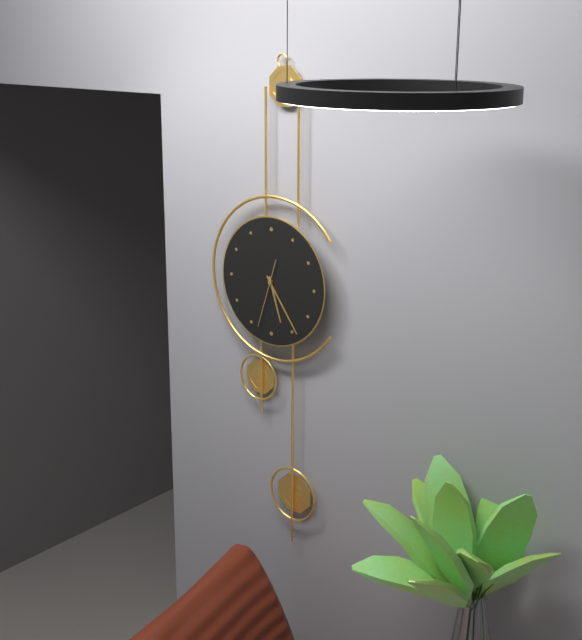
5:24:33
